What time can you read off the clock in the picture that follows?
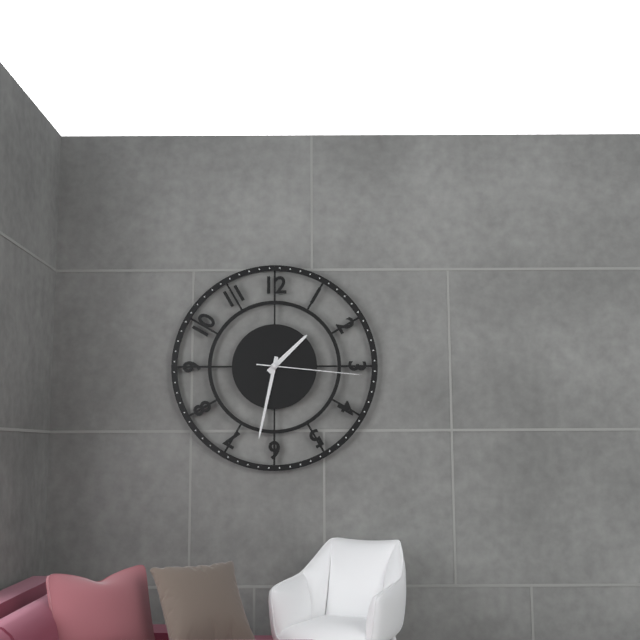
1:32:16
